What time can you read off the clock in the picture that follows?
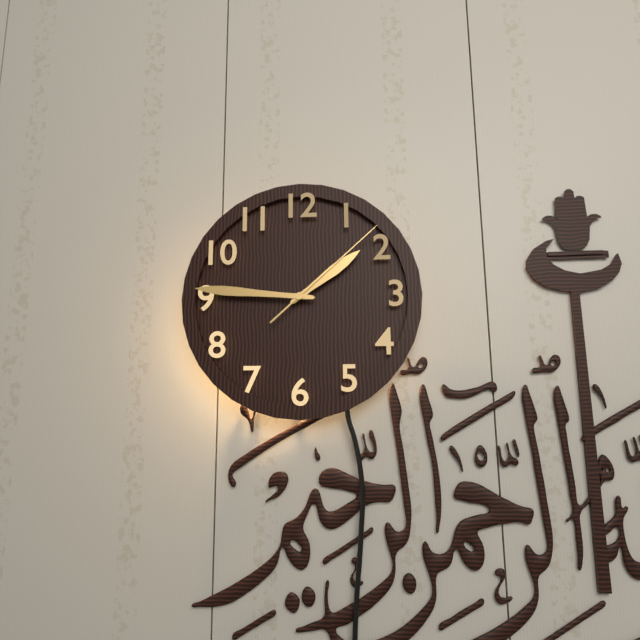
1:46:08
